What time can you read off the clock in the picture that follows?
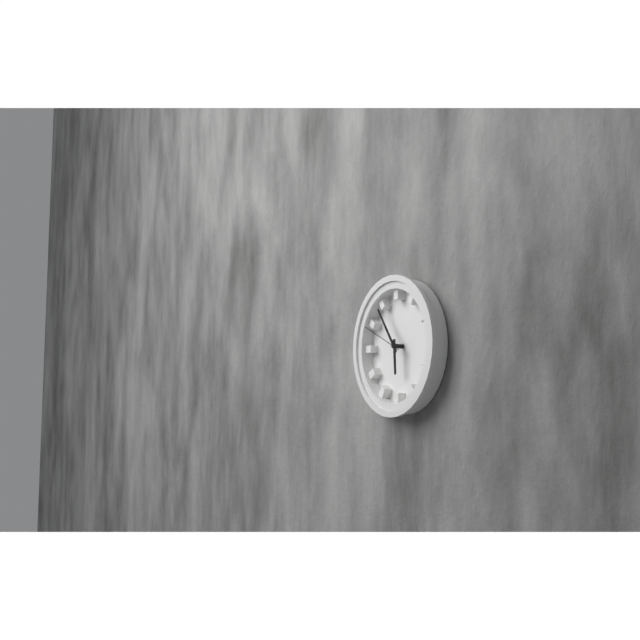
5:54
